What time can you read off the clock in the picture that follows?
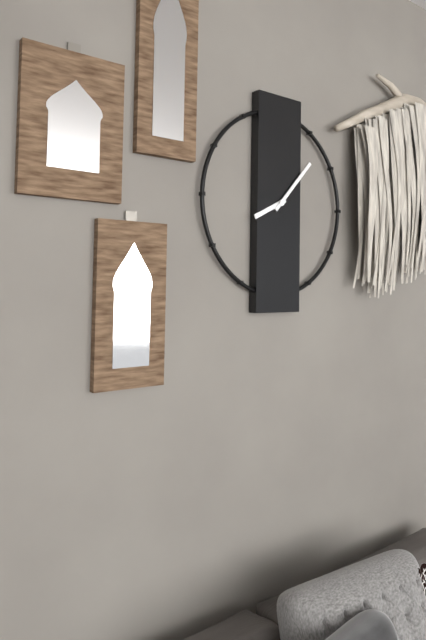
8:07
